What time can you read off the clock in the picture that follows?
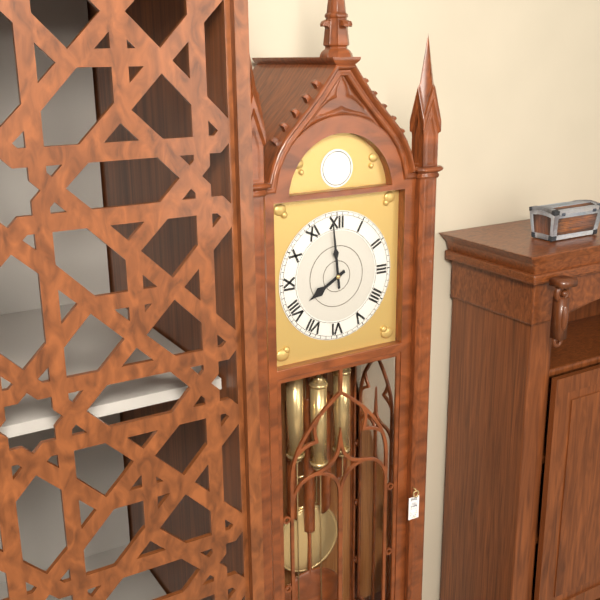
7:59
